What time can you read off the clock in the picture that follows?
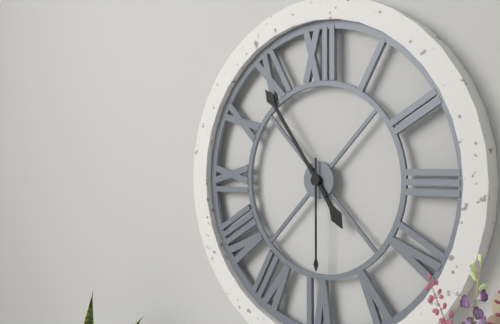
4:54:30
